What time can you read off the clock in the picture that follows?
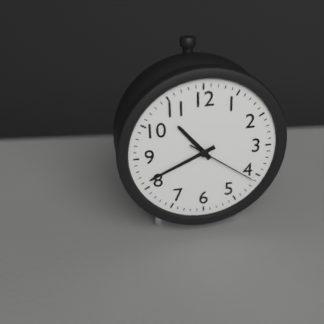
10:41:21
